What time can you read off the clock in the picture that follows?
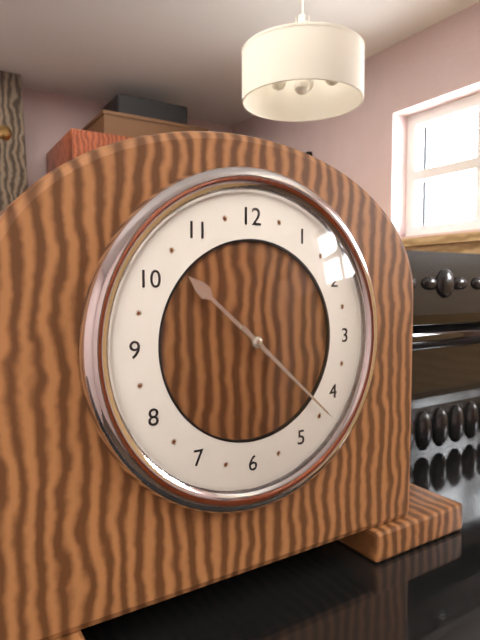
10:22
